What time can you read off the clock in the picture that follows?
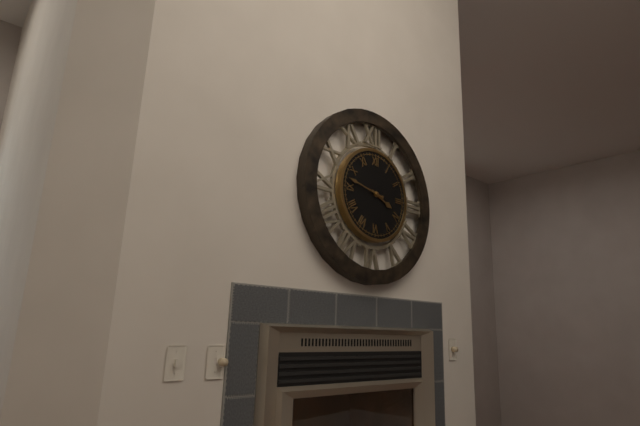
3:47
